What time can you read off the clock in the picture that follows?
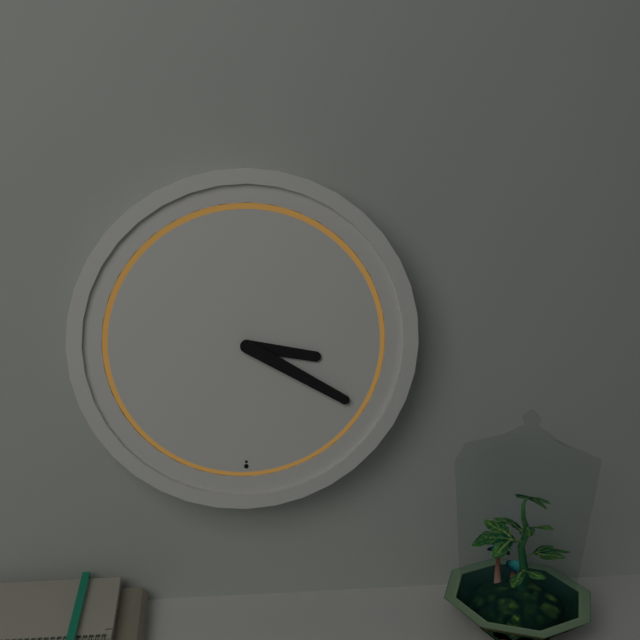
3:20
